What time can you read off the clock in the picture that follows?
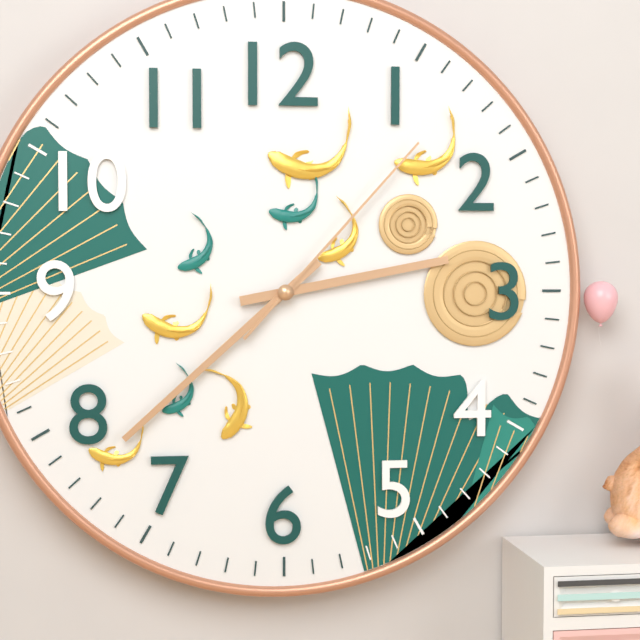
2:38:07
